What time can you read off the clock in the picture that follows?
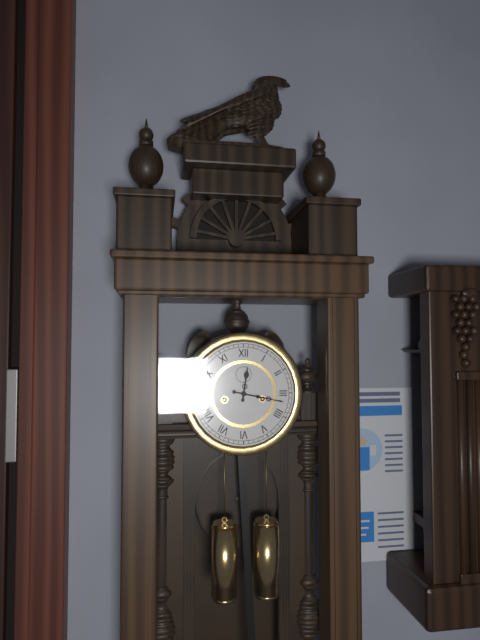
12:17
